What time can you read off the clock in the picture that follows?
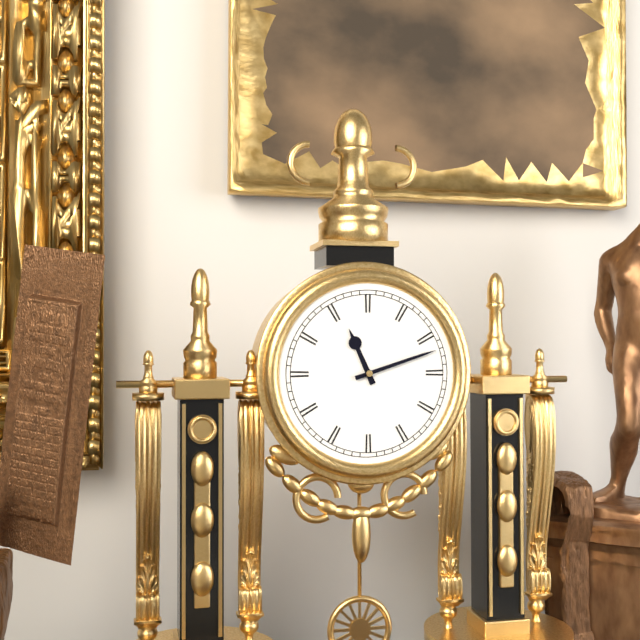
11:12
